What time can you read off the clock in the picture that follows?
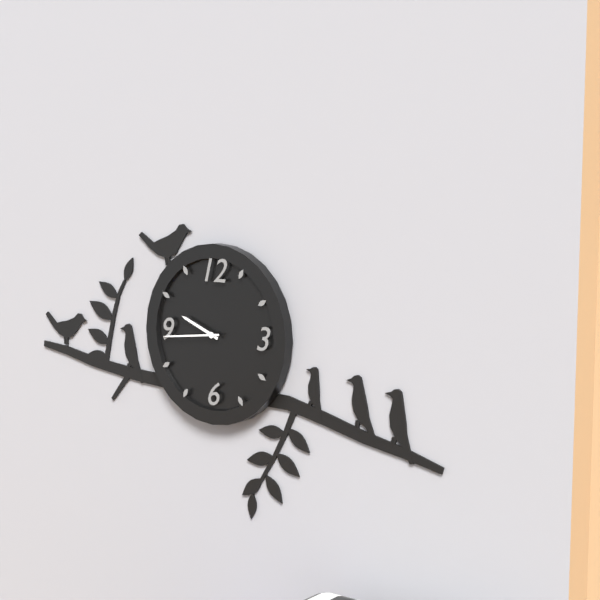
9:44
